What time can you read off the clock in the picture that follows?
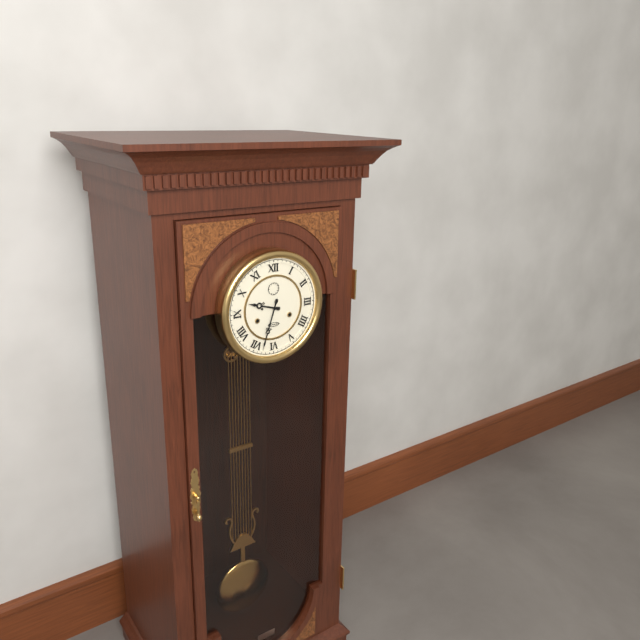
9:33
